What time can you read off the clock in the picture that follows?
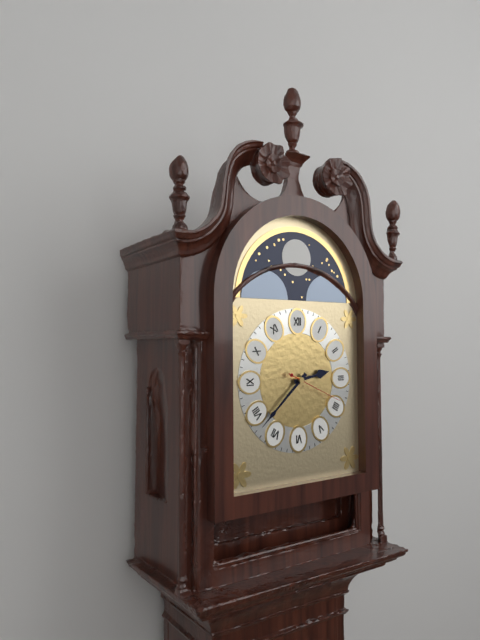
2:38:19
